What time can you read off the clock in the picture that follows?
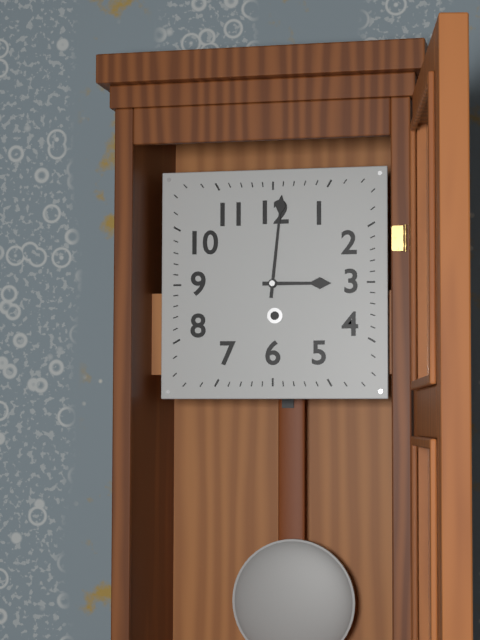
3:01
